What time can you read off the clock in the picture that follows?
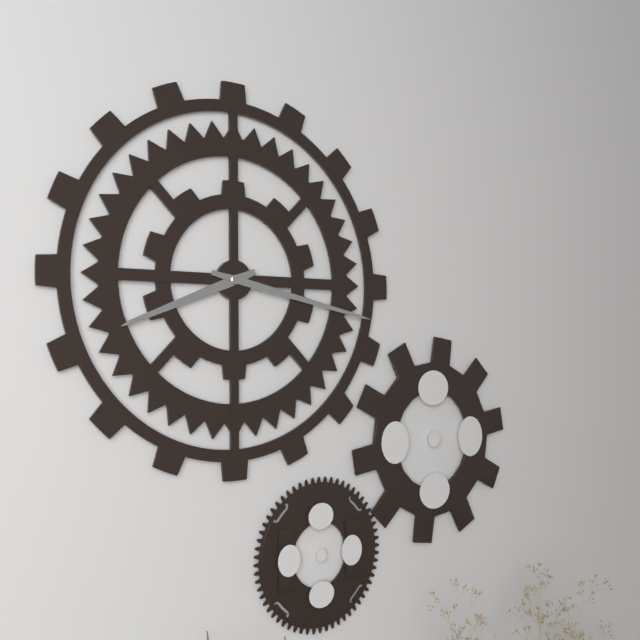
8:17
